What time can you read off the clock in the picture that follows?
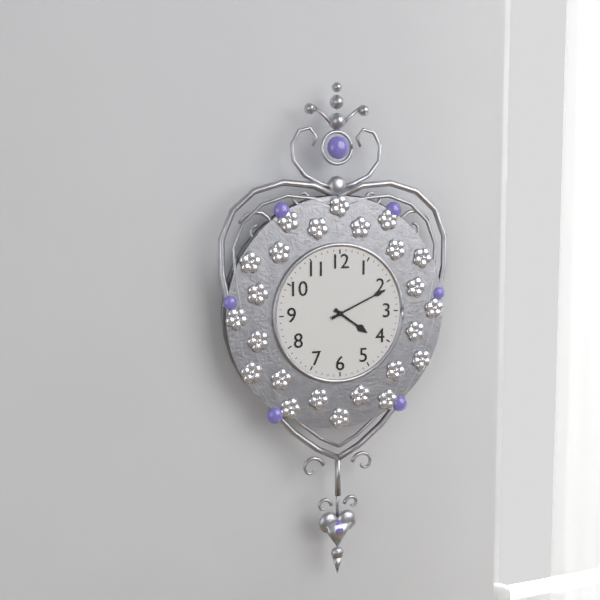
4:11
